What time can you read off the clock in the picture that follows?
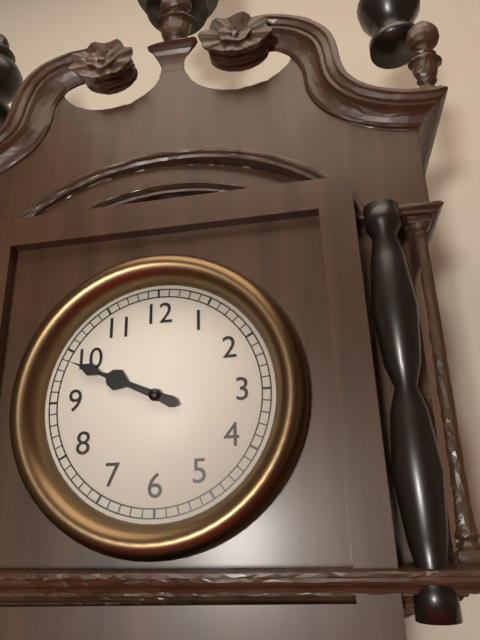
9:49
